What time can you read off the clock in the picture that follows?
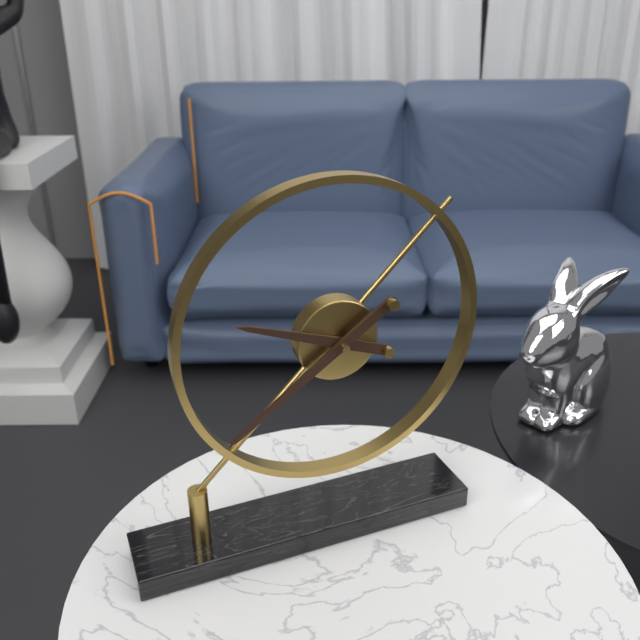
9:39
